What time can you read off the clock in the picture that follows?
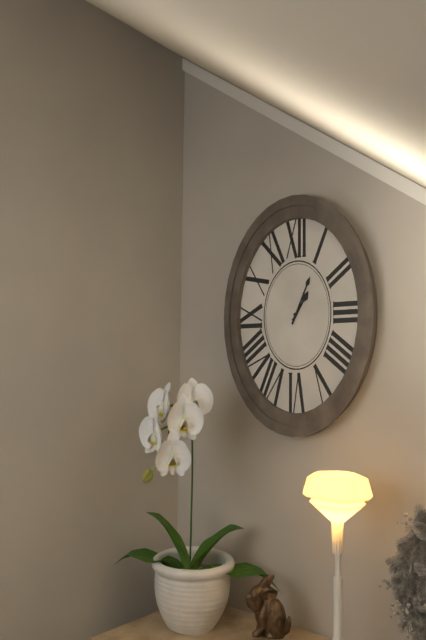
1:04
